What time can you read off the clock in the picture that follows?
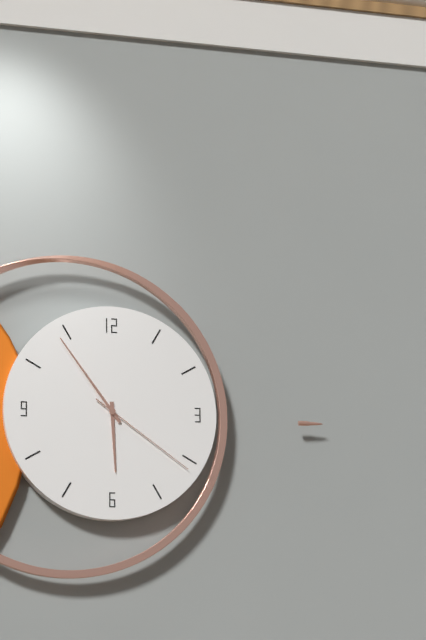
5:54:21
